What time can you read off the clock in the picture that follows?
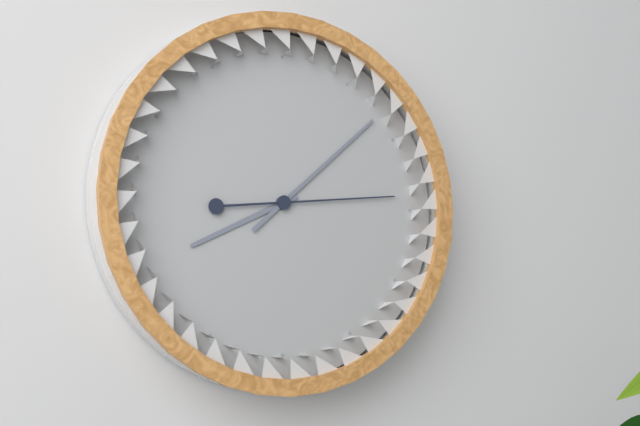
8:08:14
